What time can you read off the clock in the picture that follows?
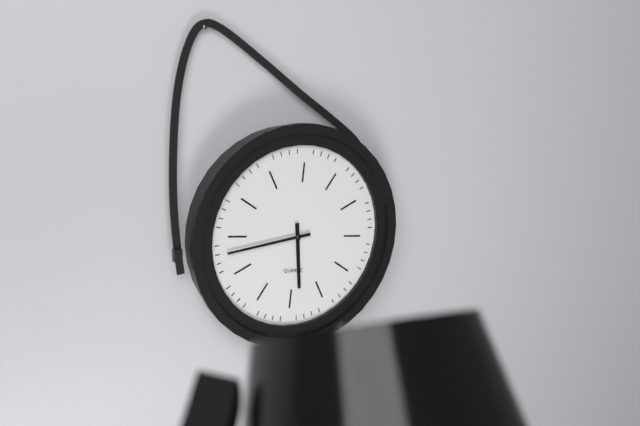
5:43
